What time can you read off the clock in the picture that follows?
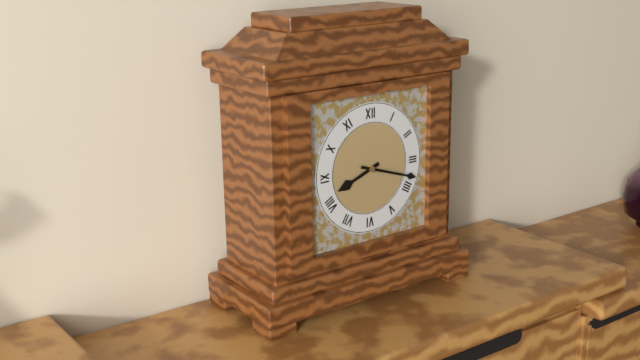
8:18
